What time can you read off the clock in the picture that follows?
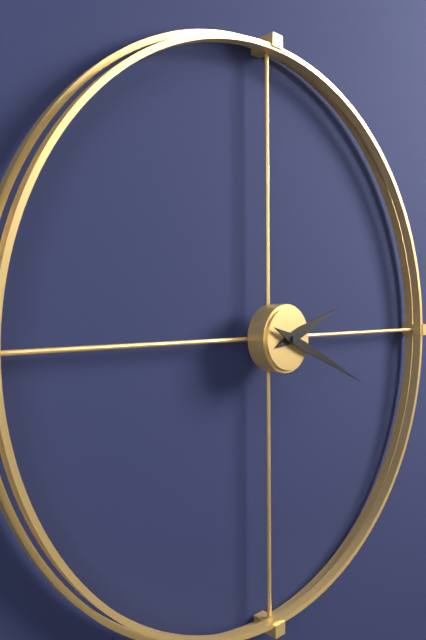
2:19
